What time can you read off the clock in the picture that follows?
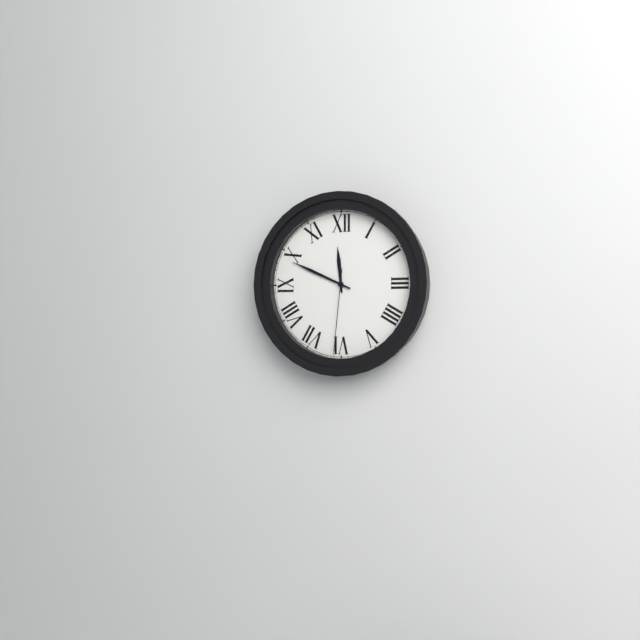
11:49:31
